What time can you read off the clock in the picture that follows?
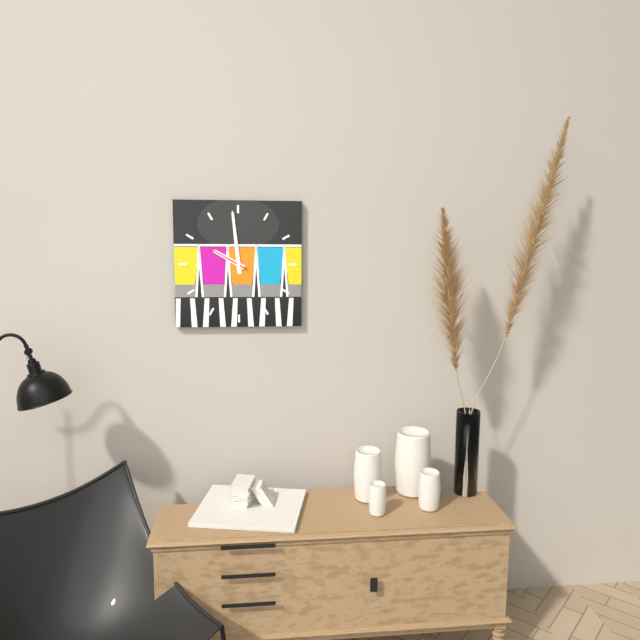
9:59
